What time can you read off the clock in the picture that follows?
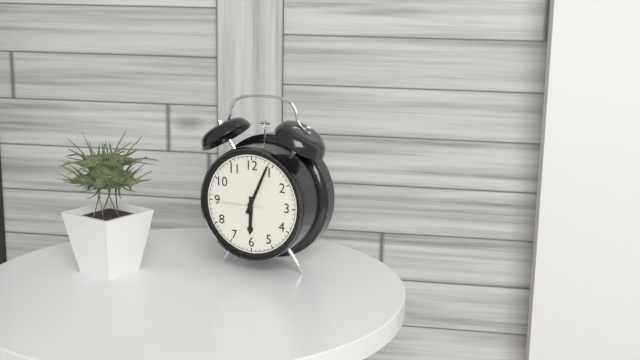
6:04
